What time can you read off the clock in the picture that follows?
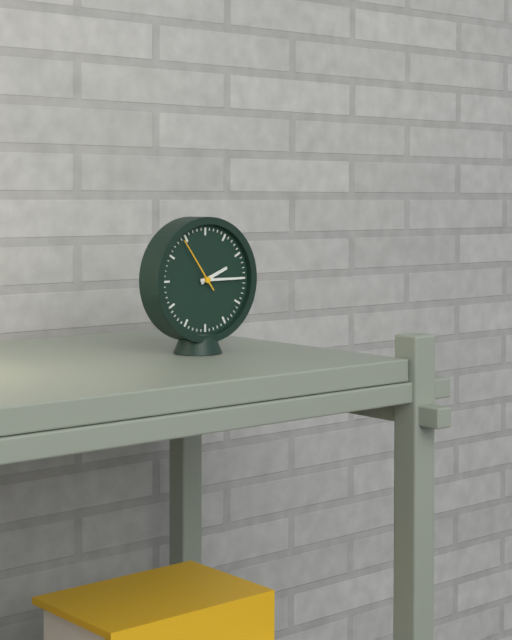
2:15:54
